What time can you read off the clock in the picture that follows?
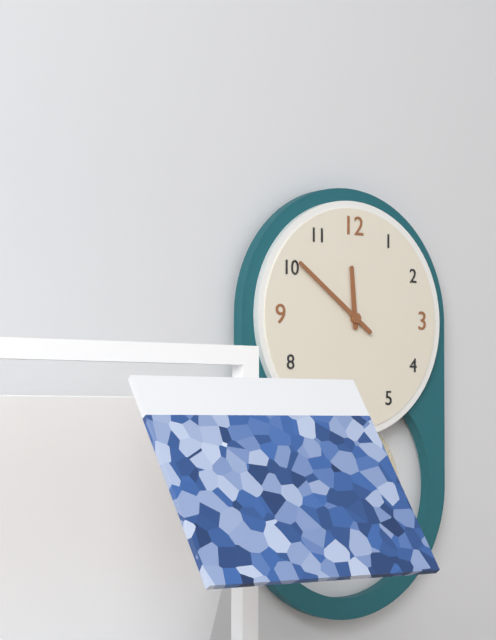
11:51
